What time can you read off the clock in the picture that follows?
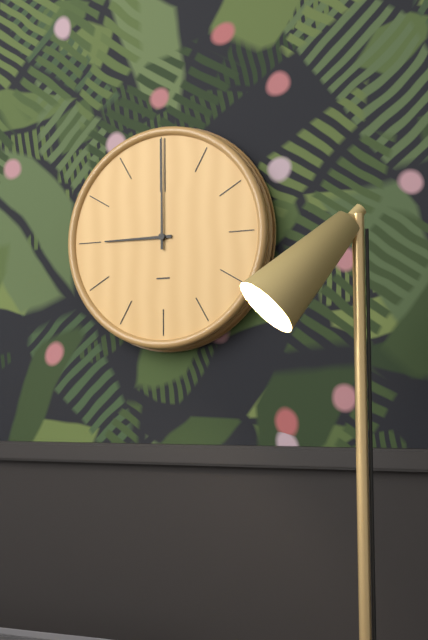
9:00
